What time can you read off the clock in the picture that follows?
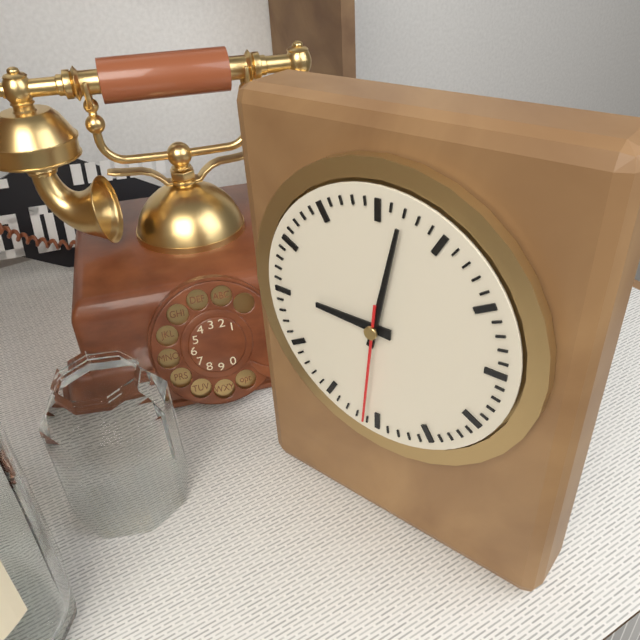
9:02:31
